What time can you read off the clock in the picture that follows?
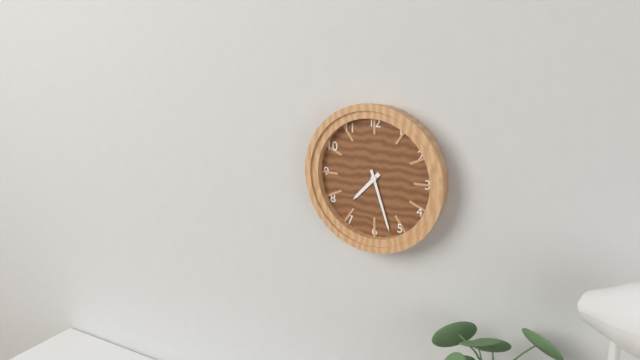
7:27
